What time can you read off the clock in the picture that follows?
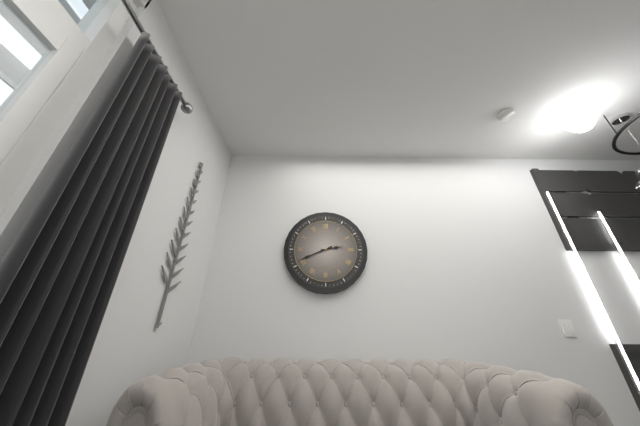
2:41
